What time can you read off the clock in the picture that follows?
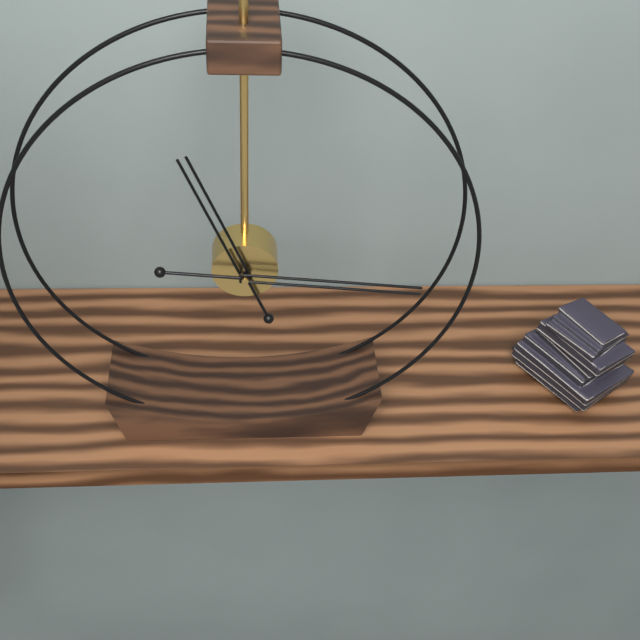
11:16
